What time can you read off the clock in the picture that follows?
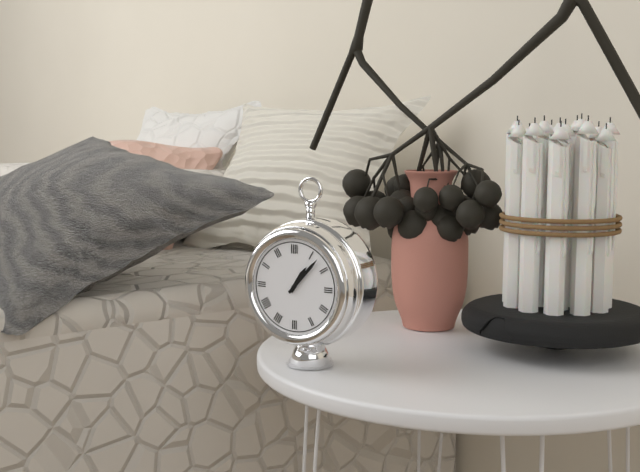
1:07
